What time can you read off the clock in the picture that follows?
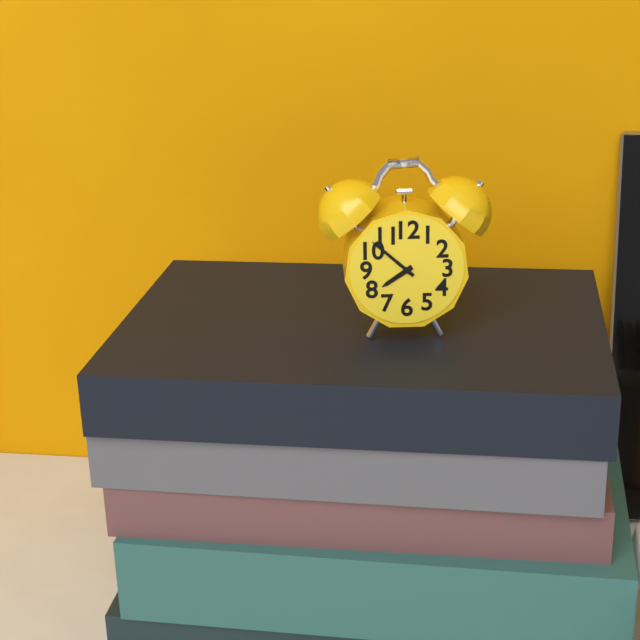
7:52
